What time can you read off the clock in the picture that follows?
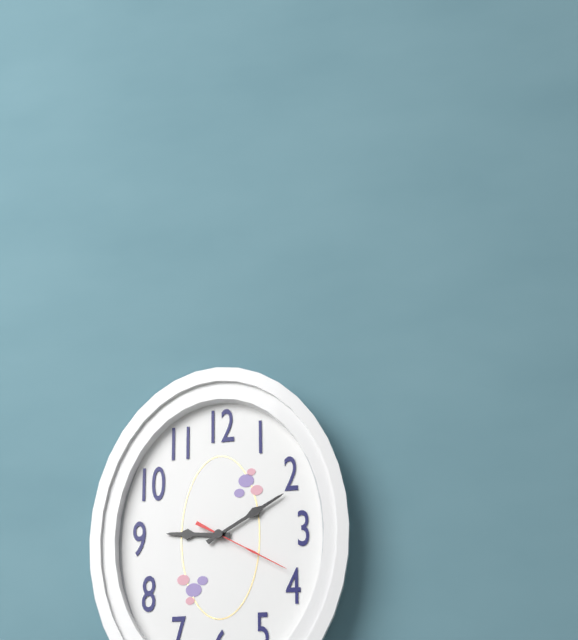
9:10:20
